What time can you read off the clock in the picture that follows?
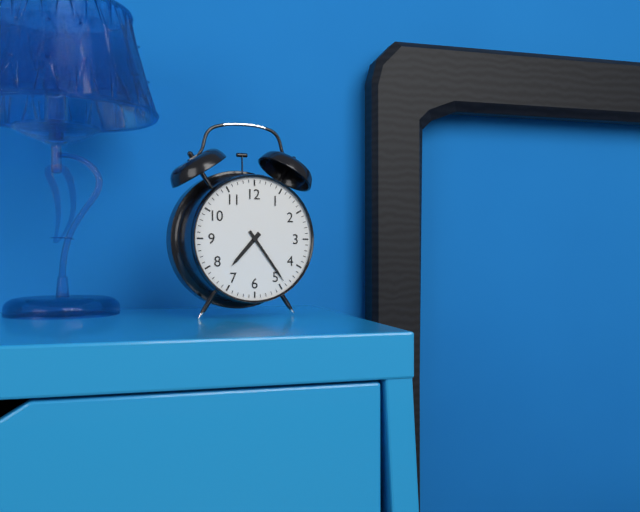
7:24
